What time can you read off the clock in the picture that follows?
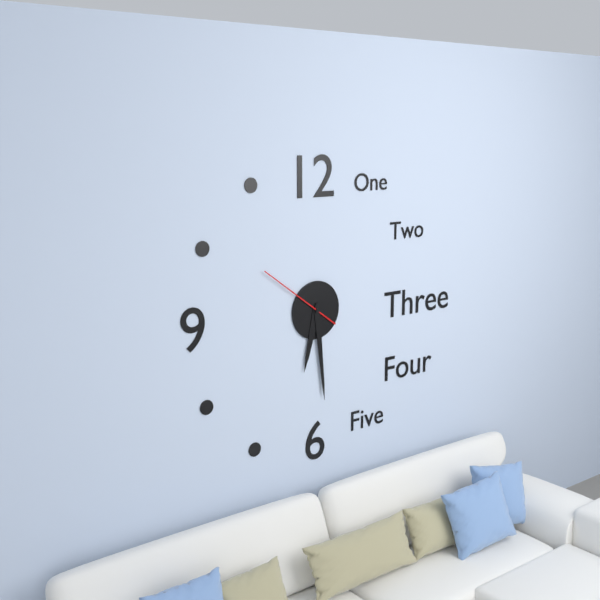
6:29:51
